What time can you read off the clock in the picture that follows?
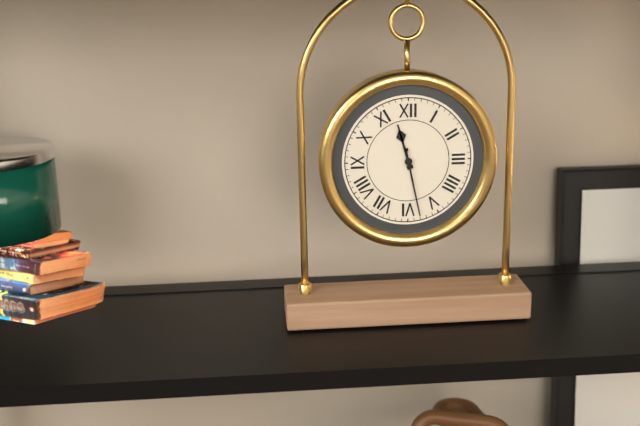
11:28
